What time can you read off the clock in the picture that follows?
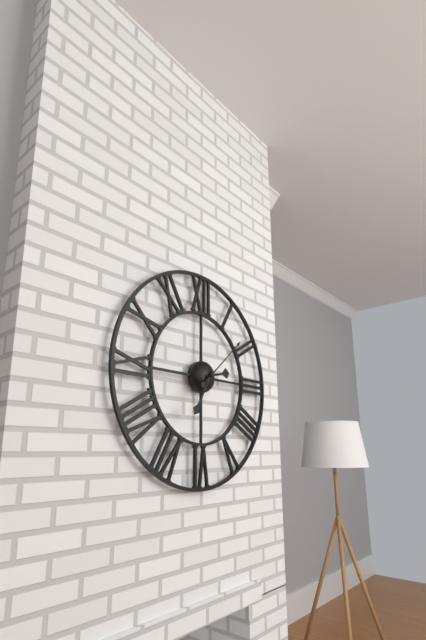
2:35:08
